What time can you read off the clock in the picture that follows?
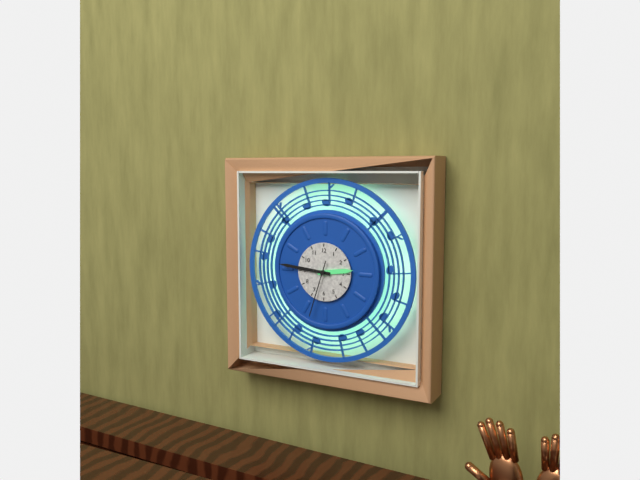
2:46:33
